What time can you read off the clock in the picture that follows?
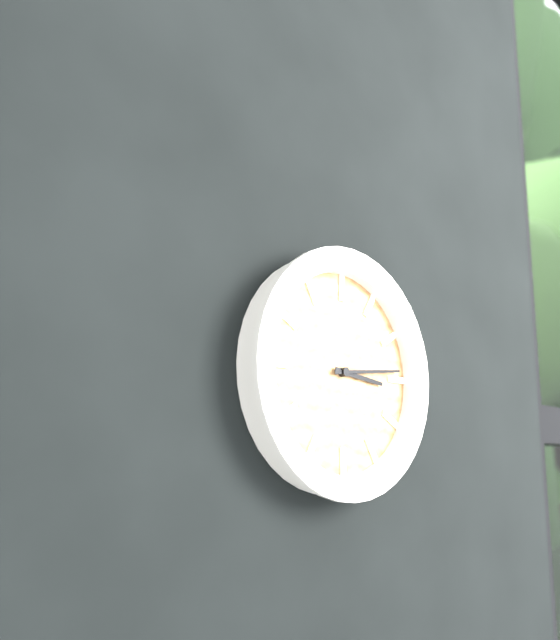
3:14
